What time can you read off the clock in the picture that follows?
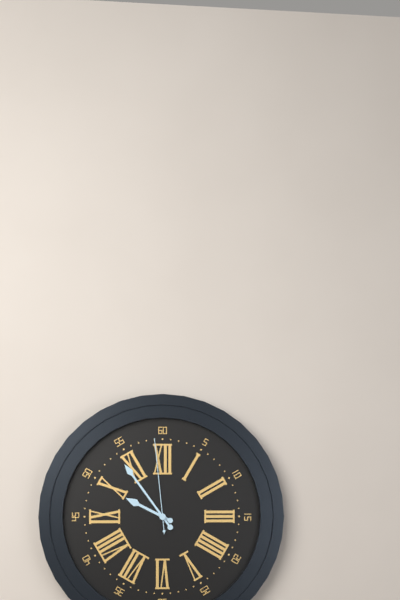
9:54:59
